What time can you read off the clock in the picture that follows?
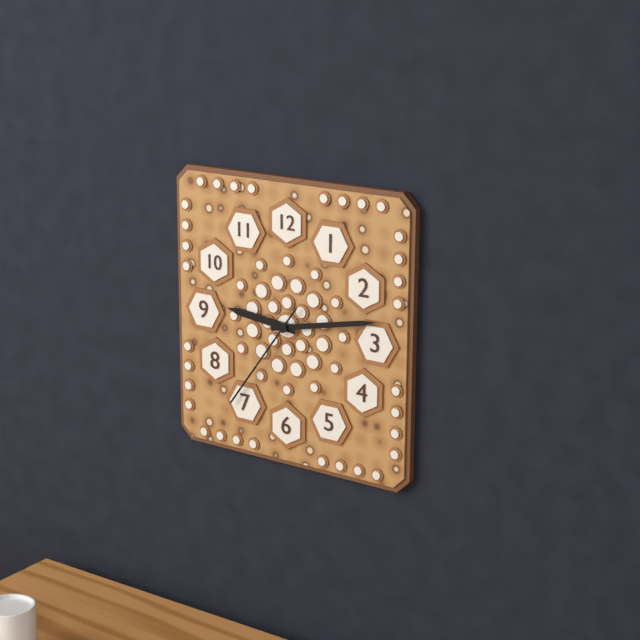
9:13:36
